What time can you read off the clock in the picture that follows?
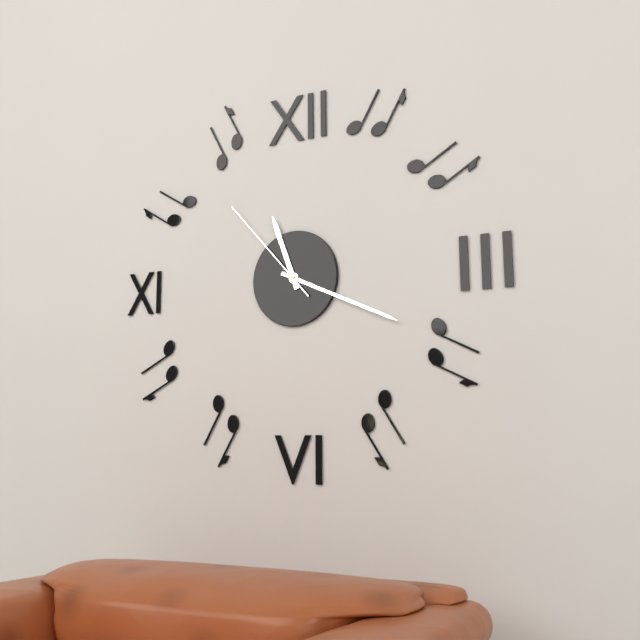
11:19:53
